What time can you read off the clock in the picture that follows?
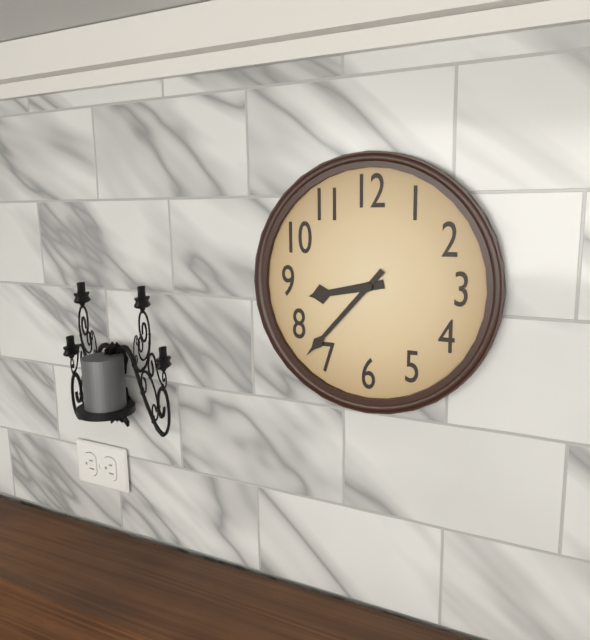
8:37
